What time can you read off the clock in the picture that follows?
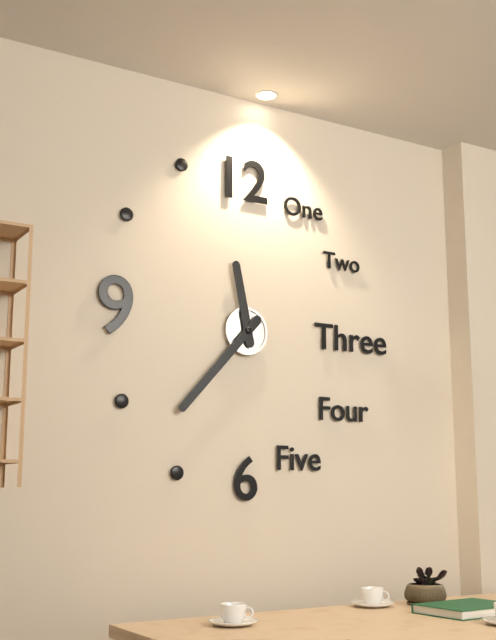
11:37
